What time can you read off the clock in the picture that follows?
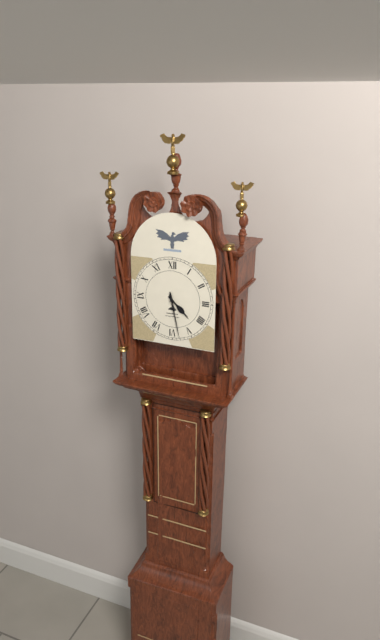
4:28
